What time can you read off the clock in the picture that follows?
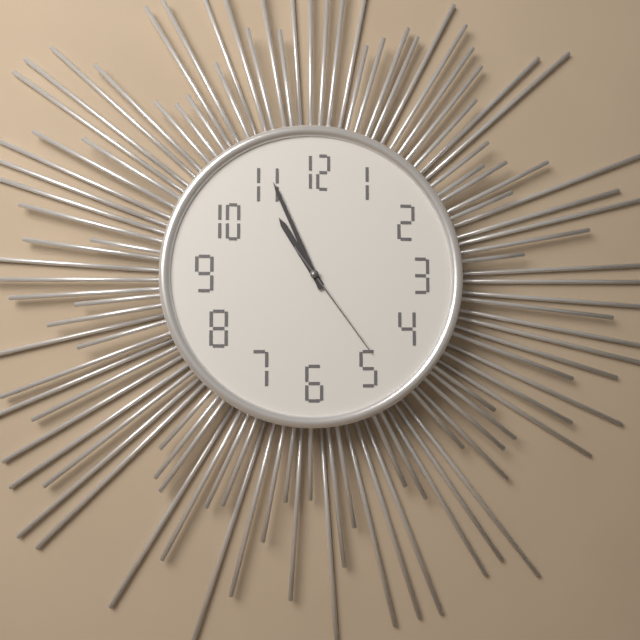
10:56:24
